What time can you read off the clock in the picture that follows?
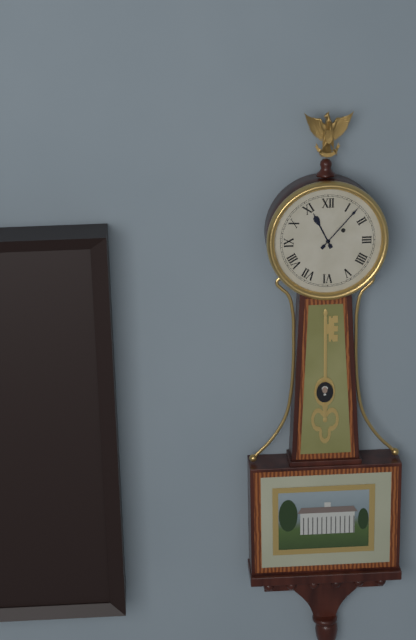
11:07
